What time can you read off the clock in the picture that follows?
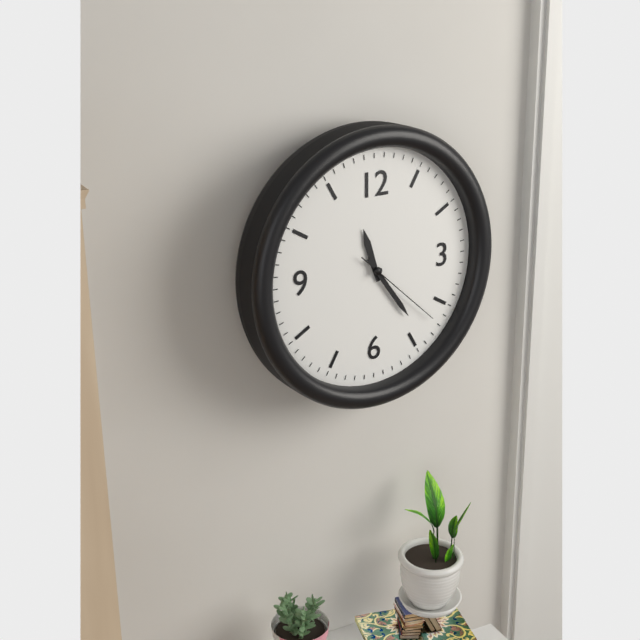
11:24:22
